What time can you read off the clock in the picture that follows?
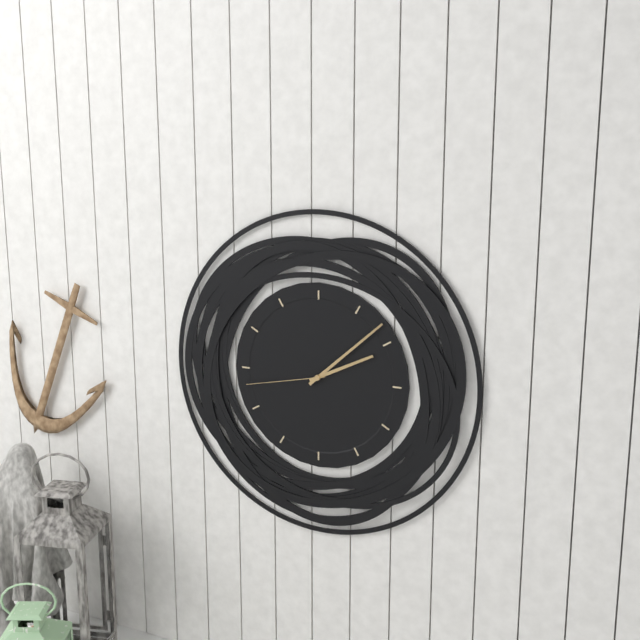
2:08:43
